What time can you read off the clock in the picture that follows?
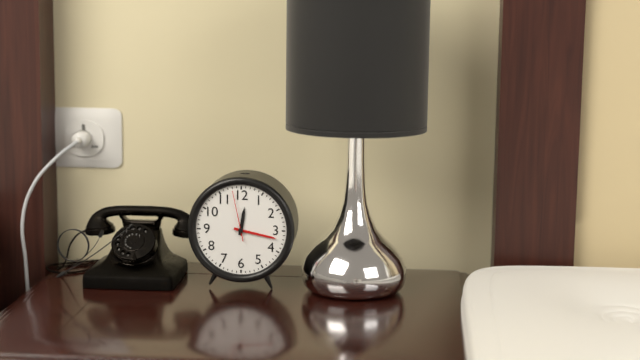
12:17:58
